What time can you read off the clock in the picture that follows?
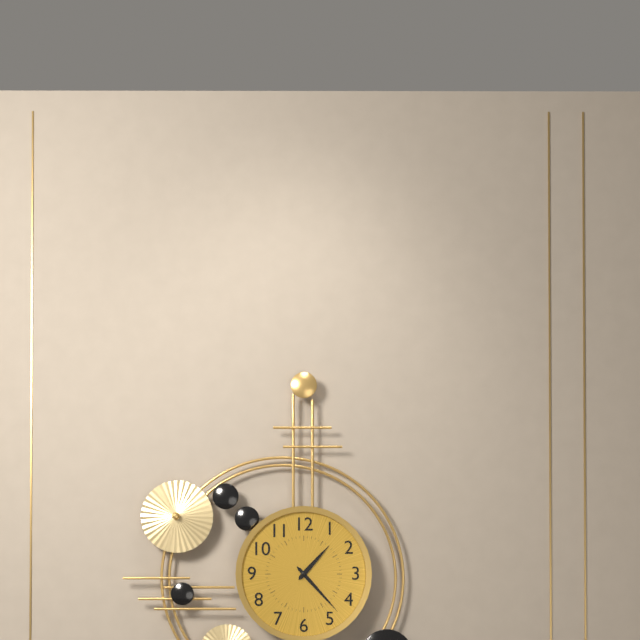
1:23
